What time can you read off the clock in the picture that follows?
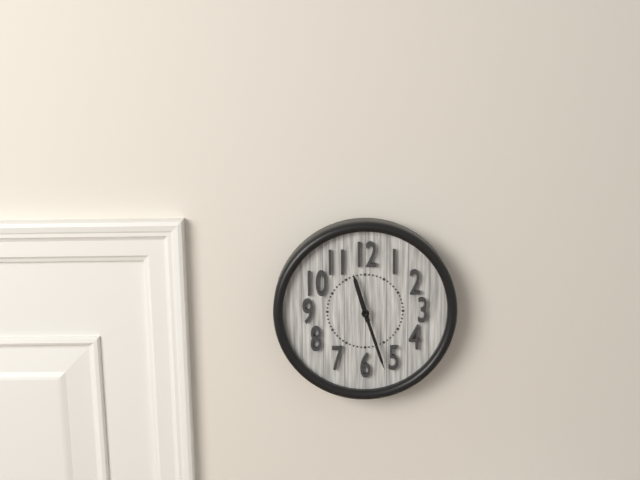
11:27
